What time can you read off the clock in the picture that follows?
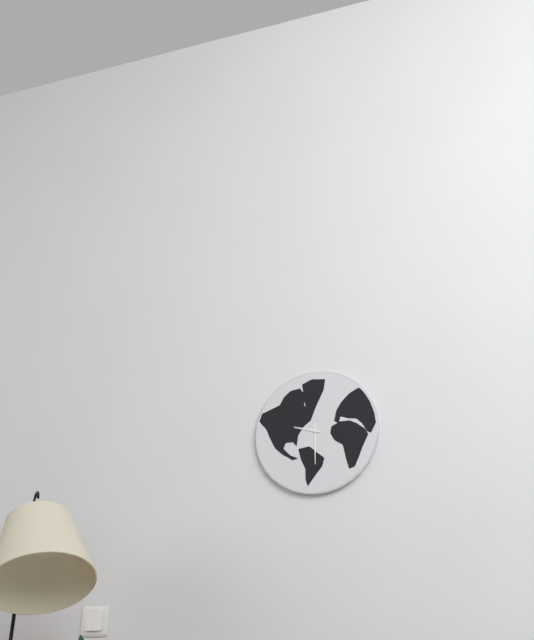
9:30
